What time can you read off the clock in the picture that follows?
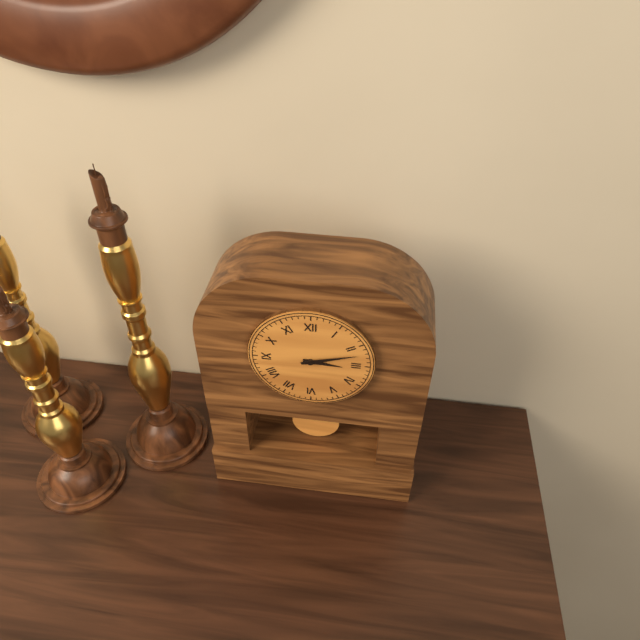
3:12
